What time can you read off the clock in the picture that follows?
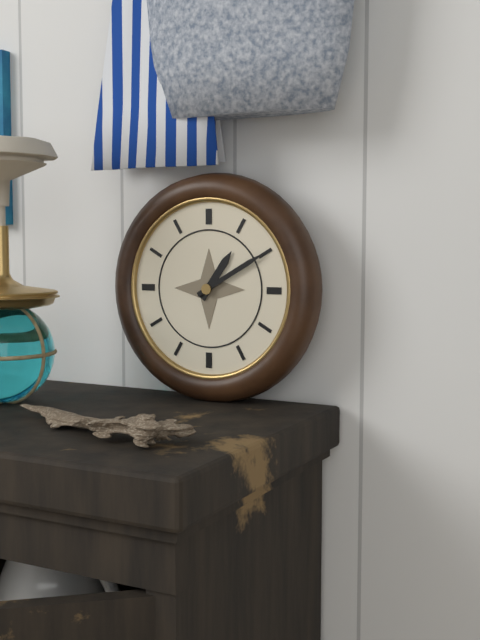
1:10
